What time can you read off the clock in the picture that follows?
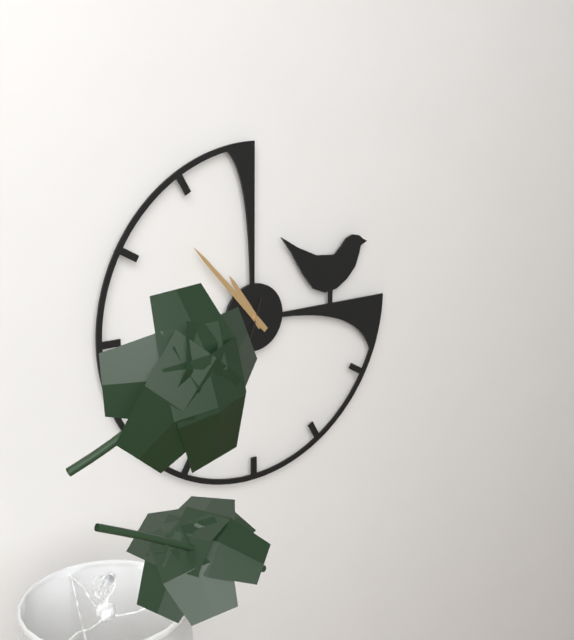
10:53
